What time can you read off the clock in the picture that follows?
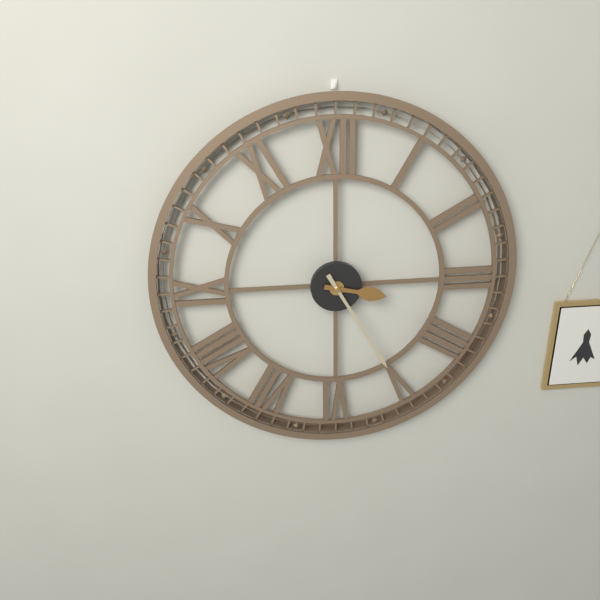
3:25
